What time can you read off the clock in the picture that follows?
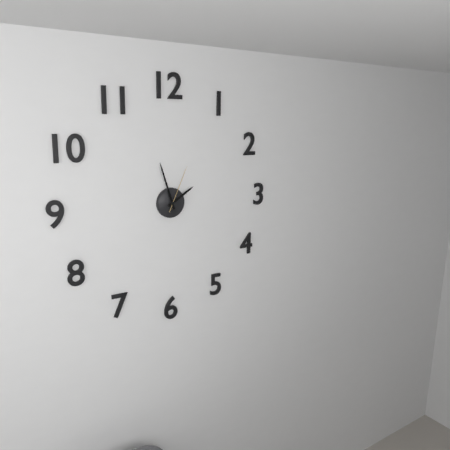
1:57
